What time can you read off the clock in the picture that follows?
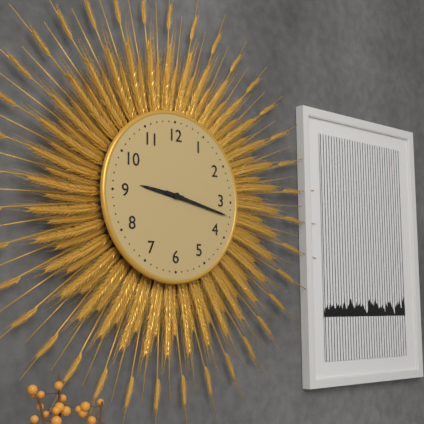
9:17
